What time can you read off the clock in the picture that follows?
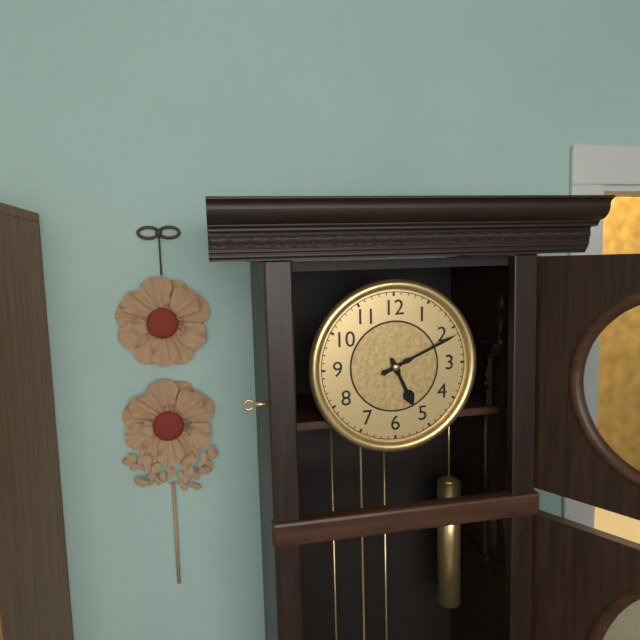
5:11
